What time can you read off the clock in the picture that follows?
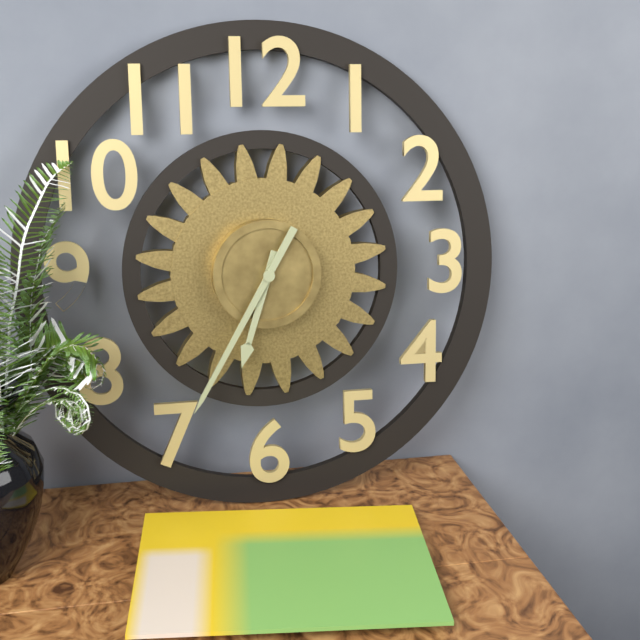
6:35
